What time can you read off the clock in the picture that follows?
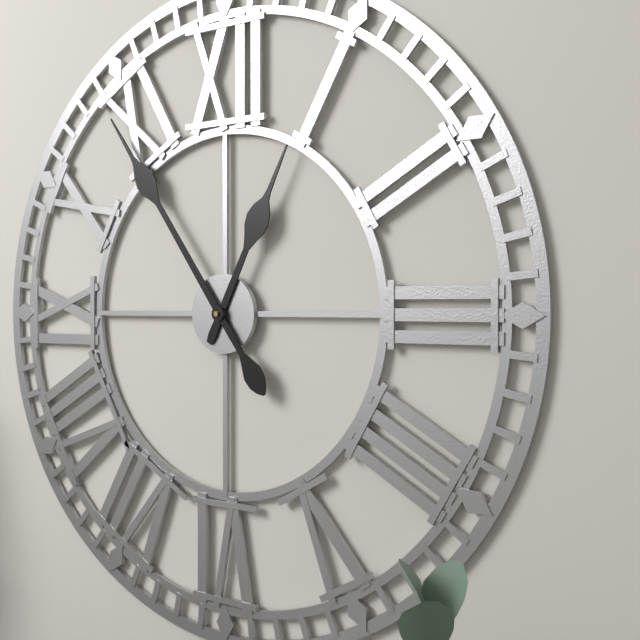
12:54
